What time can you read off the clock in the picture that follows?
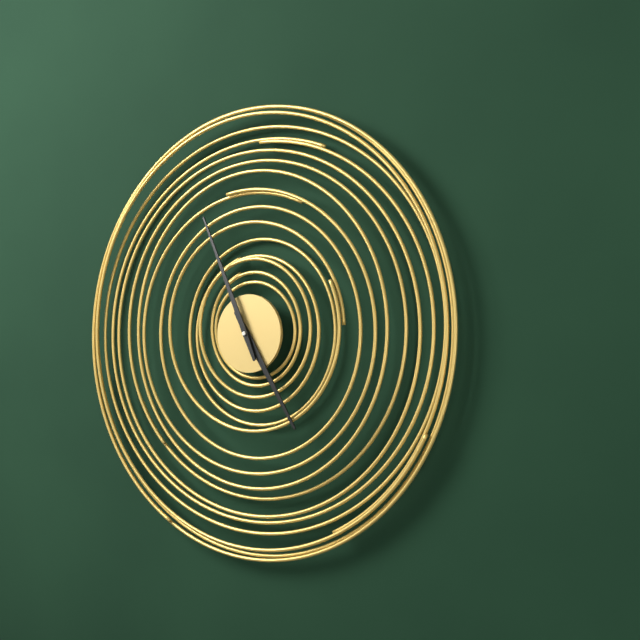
4:56
